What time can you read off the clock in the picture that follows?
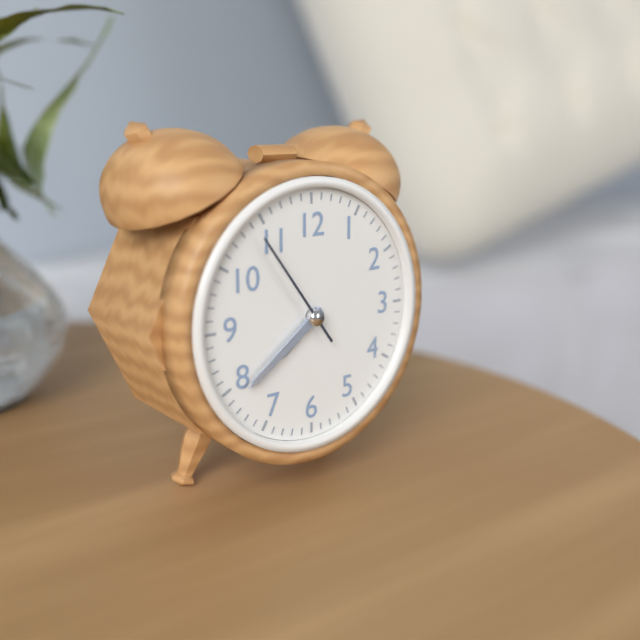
7:39:54
